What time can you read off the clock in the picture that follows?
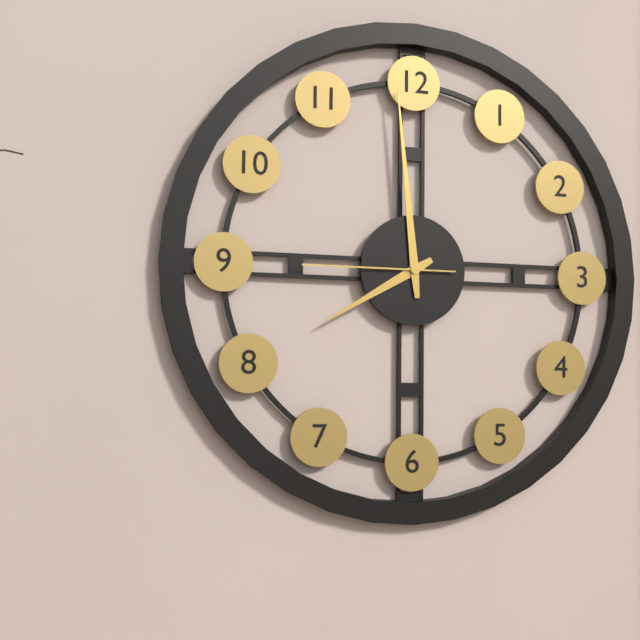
7:59:45
